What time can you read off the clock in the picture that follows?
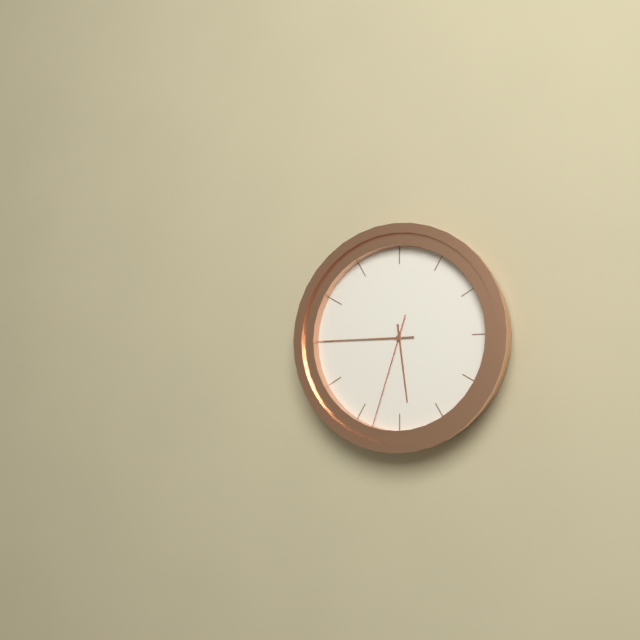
5:45:33
